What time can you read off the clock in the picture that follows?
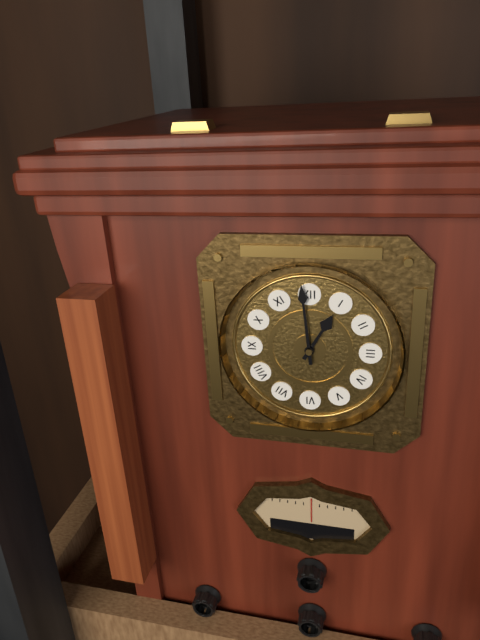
12:59
